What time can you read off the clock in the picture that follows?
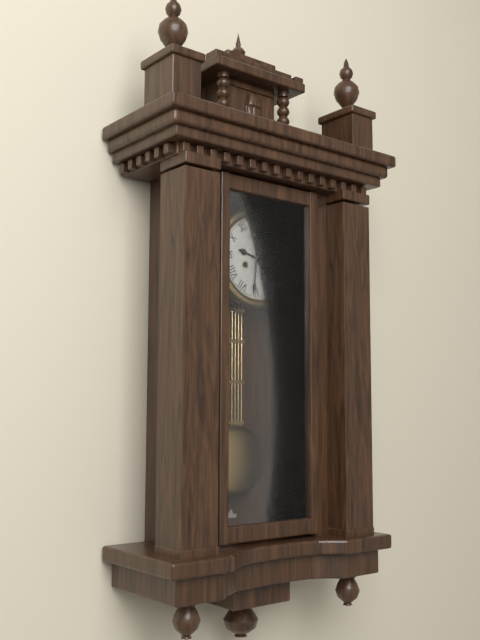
9:31
